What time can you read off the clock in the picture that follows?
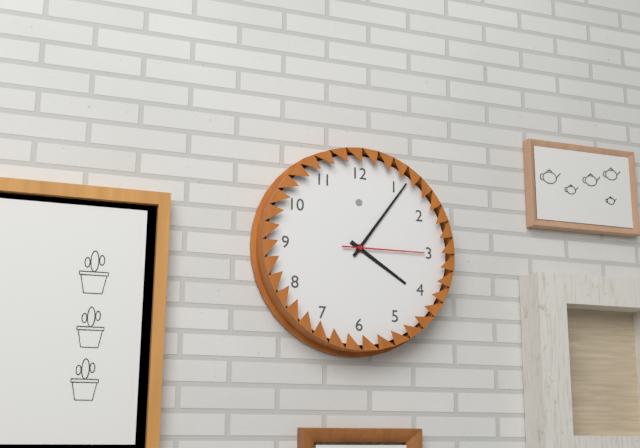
4:06:15
